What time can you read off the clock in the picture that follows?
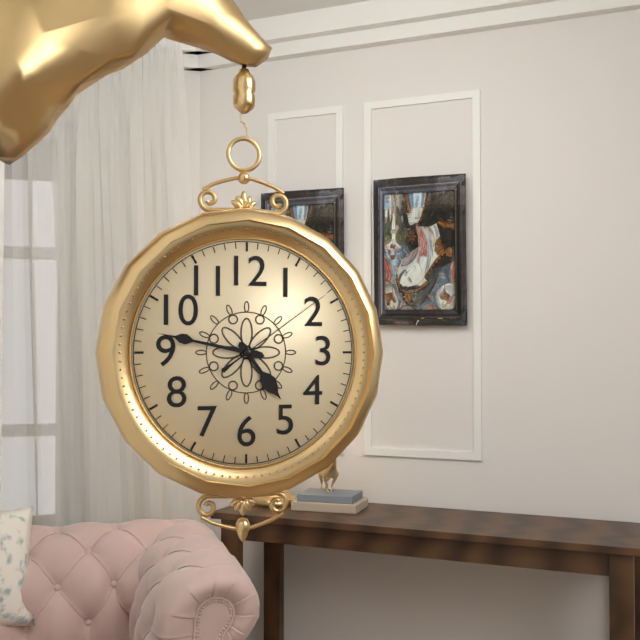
4:47:09
